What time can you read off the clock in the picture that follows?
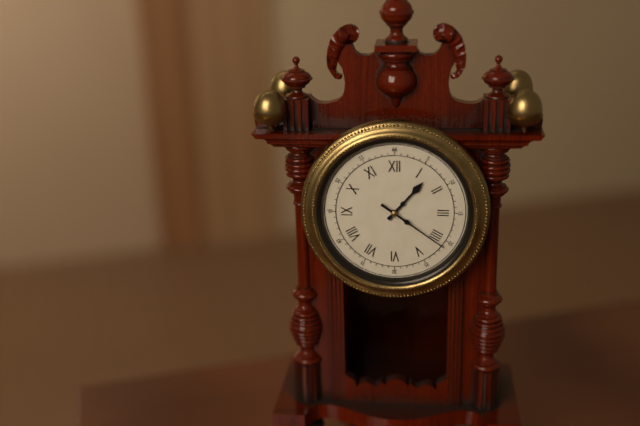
1:21
